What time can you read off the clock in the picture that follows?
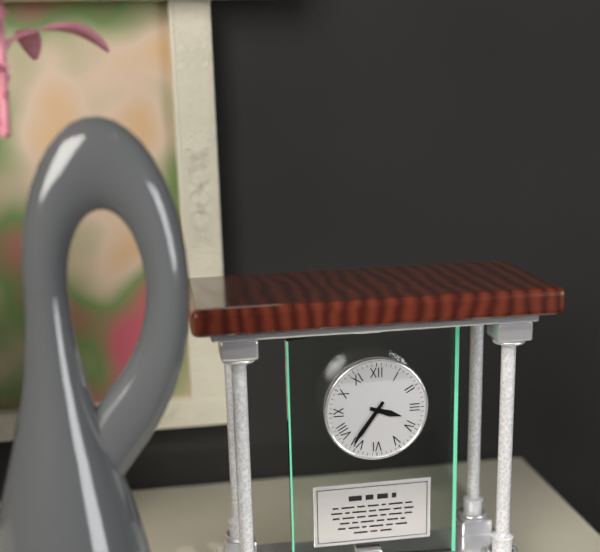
3:36
